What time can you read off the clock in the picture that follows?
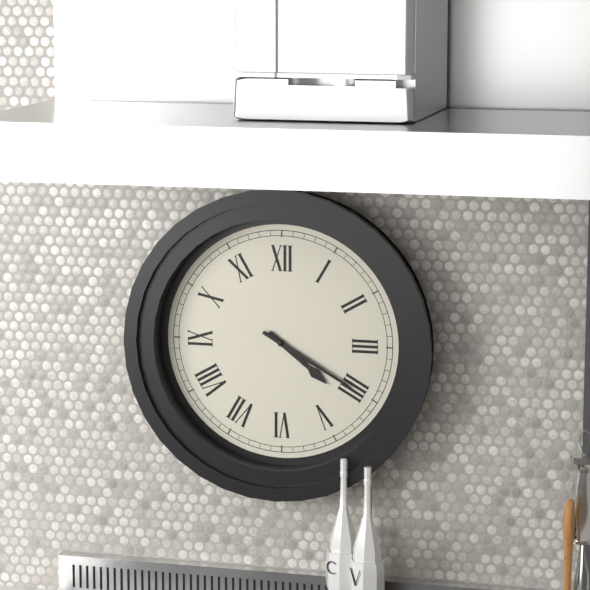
4:20
